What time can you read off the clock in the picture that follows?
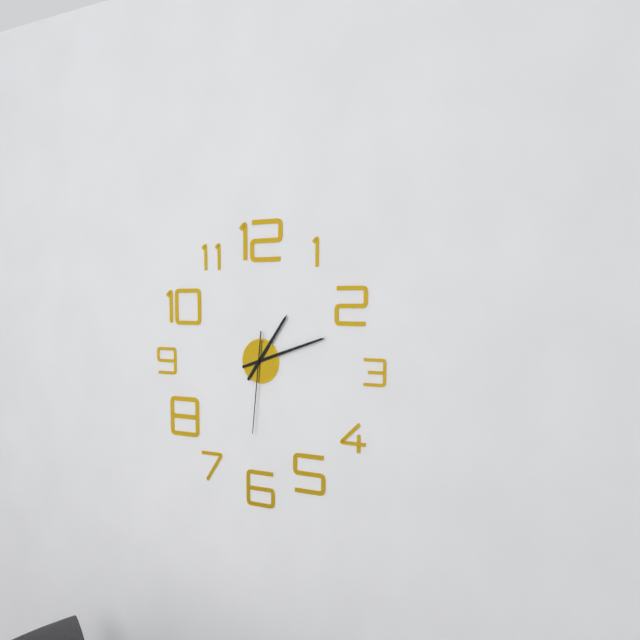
1:12:31
